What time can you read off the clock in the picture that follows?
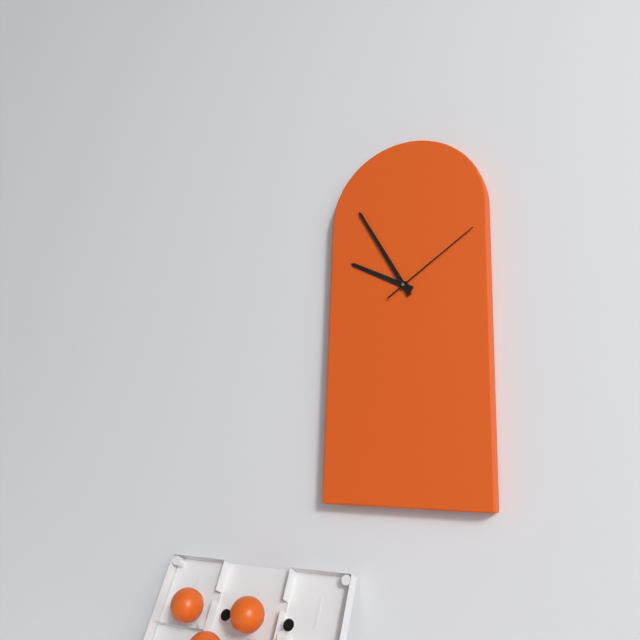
9:55:09
